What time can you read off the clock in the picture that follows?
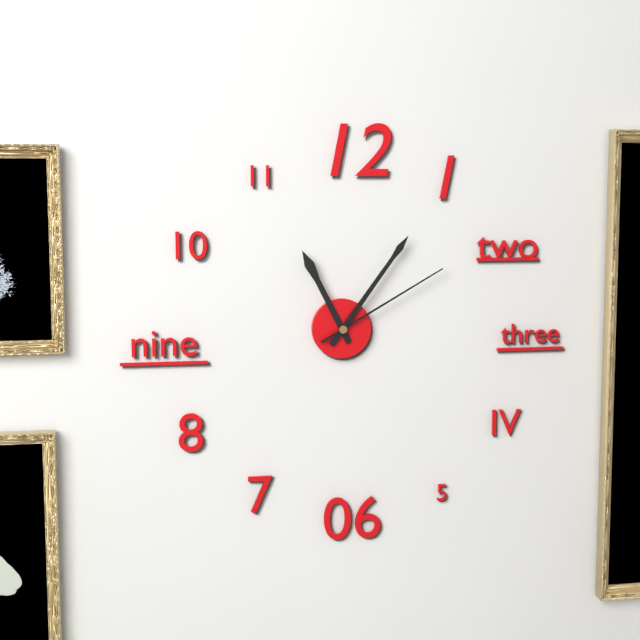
11:06:10
